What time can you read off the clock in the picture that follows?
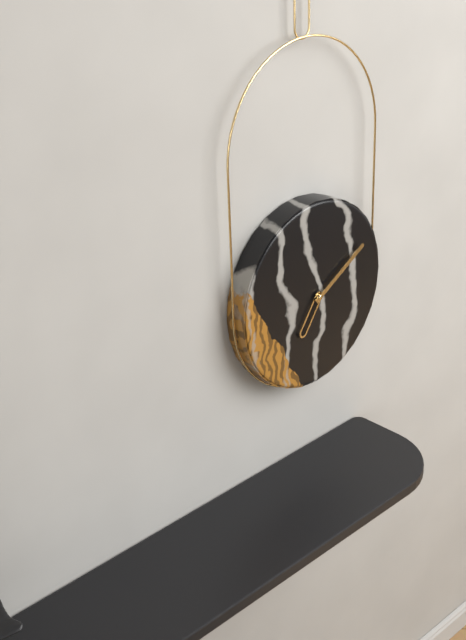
7:10
